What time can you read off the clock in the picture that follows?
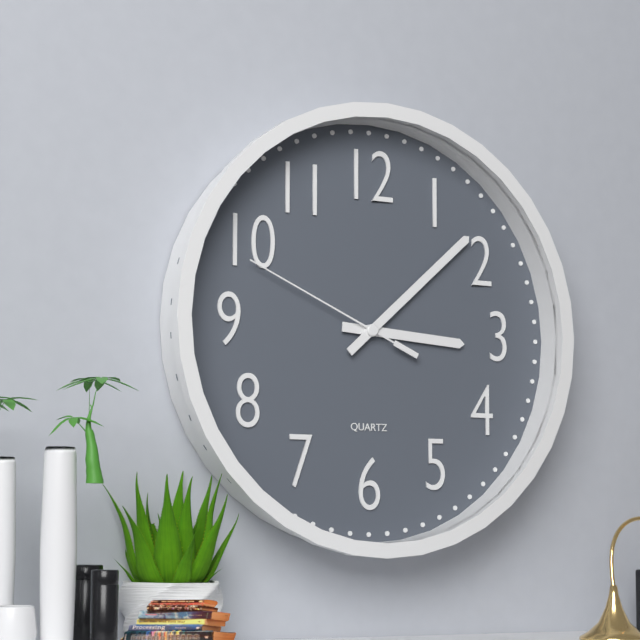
3:08:49
